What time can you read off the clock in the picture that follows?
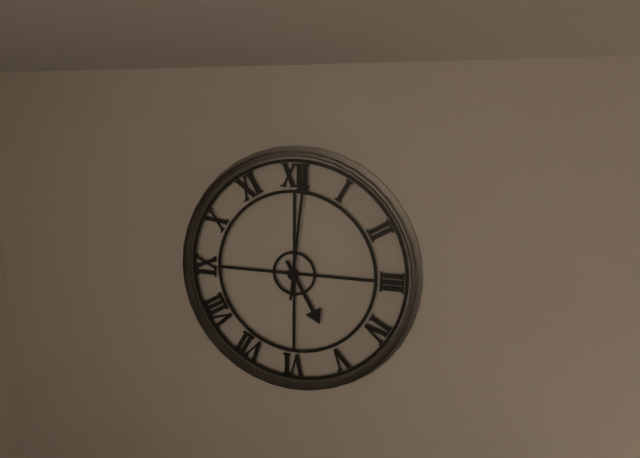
5:01
